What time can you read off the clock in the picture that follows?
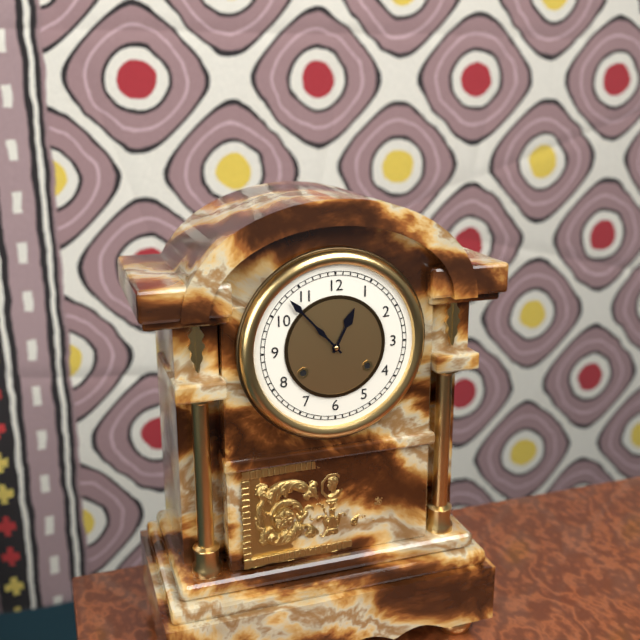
12:53
